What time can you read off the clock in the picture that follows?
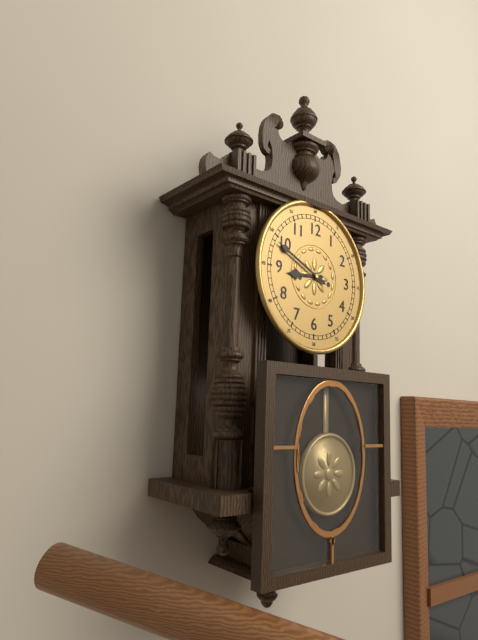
8:49
